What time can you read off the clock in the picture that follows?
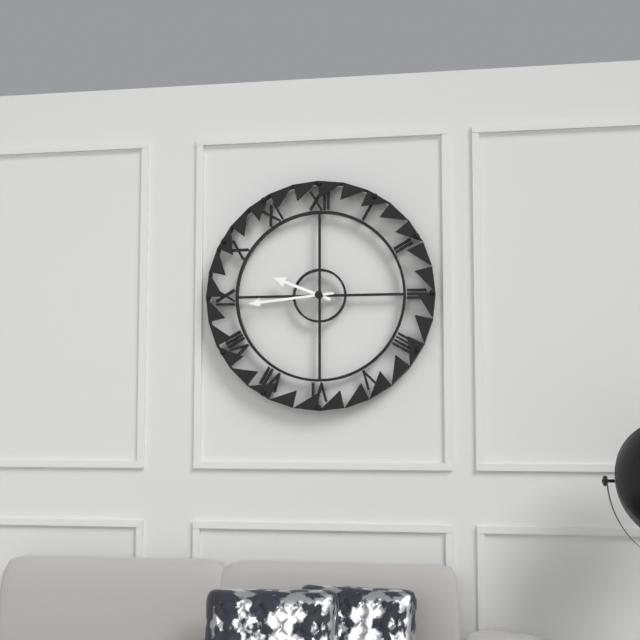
9:44
